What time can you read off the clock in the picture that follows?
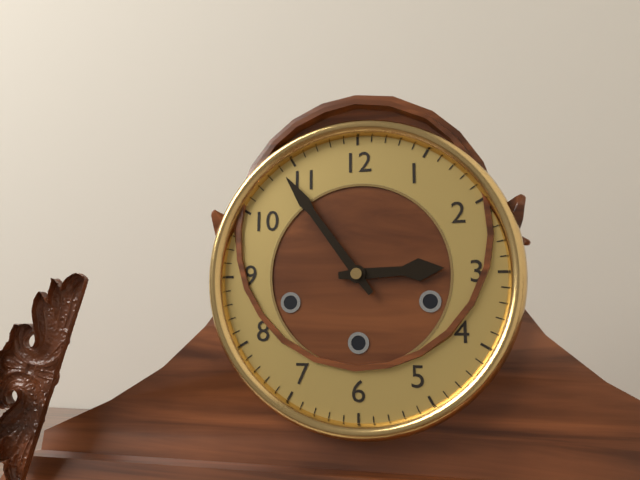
2:54
